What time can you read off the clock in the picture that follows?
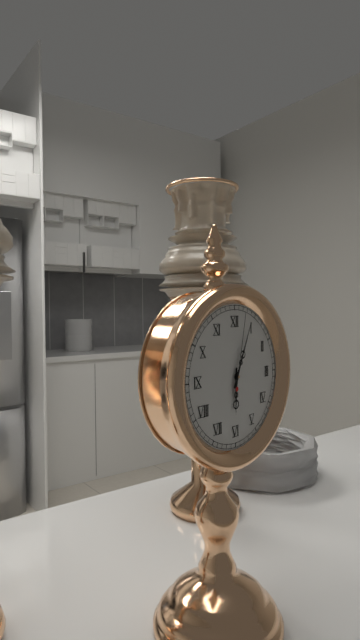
6:04:02
